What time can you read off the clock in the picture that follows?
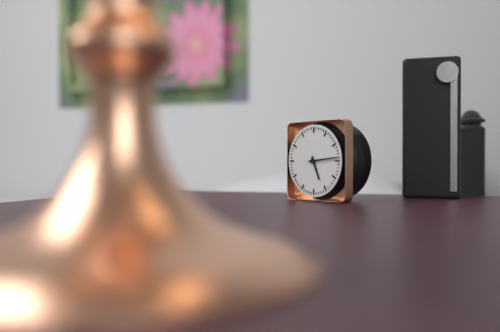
5:14
